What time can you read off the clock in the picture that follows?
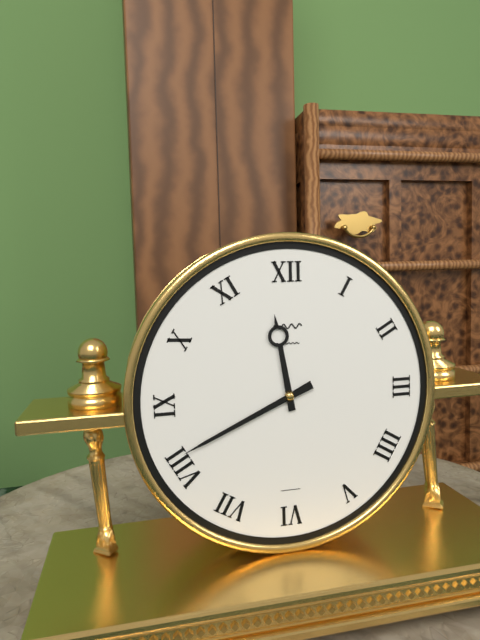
11:41
